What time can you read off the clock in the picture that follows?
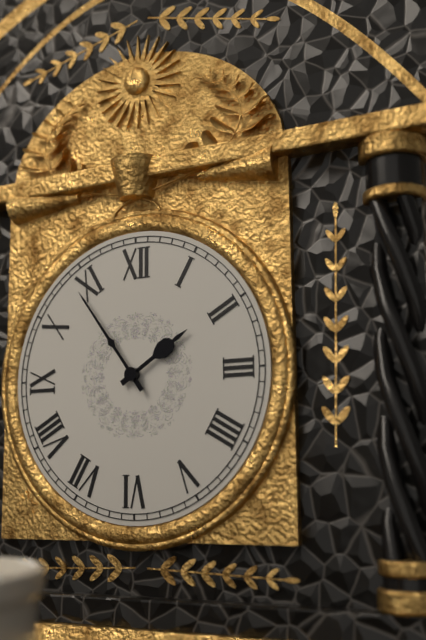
1:54
